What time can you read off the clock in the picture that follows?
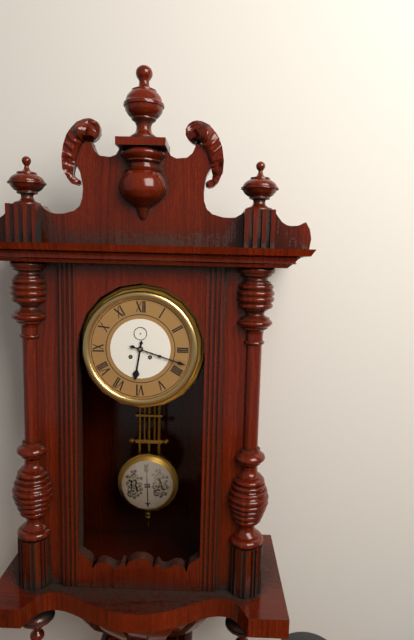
6:18
